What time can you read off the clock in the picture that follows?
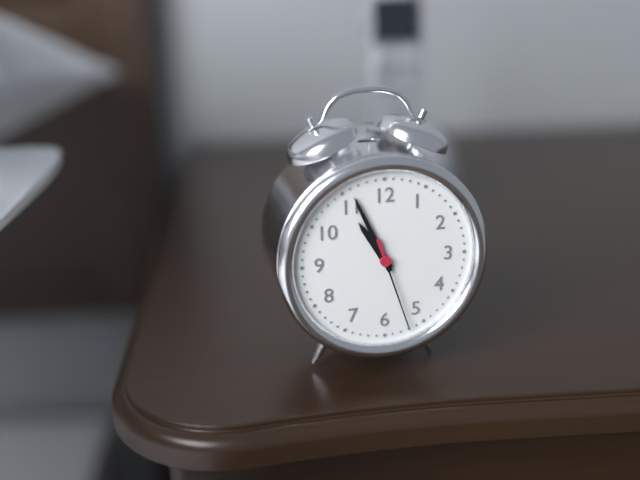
10:56:27
